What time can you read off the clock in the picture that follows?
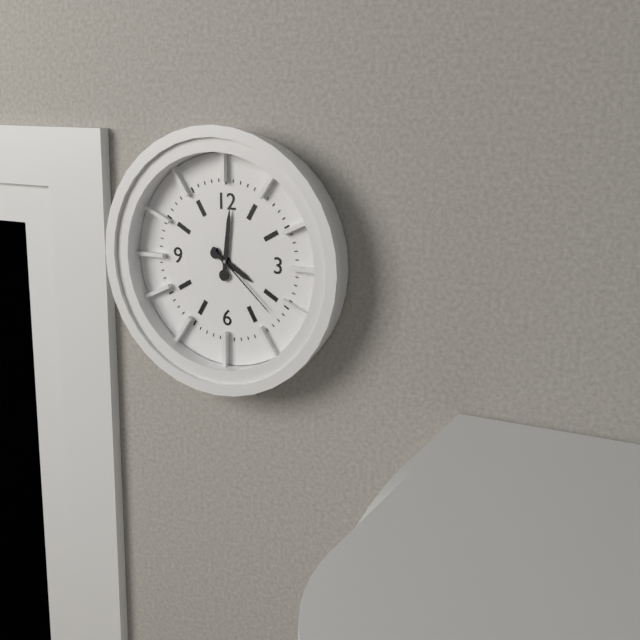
4:01:22
